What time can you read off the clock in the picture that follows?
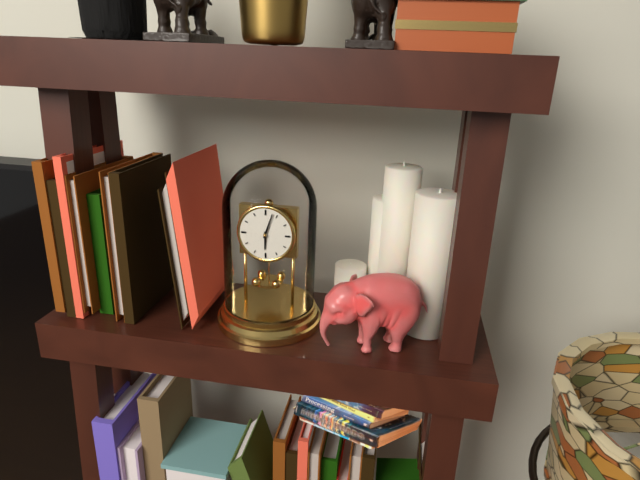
6:03
